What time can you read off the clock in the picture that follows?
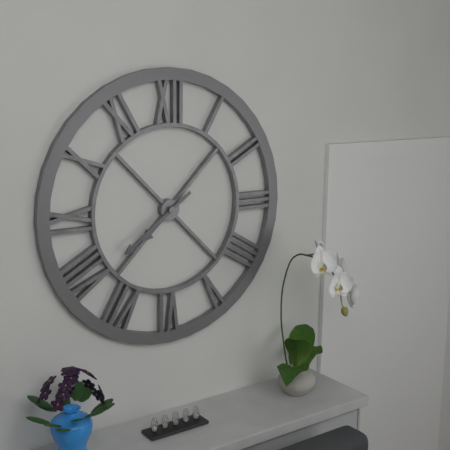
7:39
